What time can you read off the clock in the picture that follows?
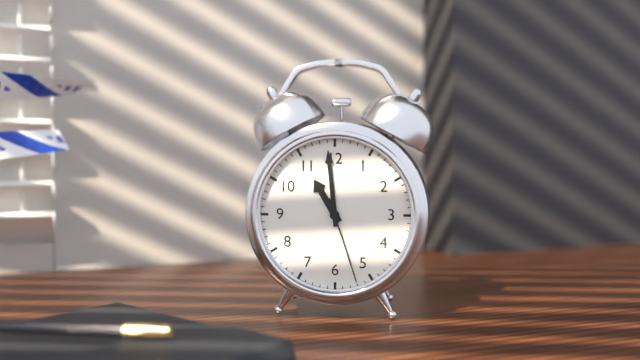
10:59:27
